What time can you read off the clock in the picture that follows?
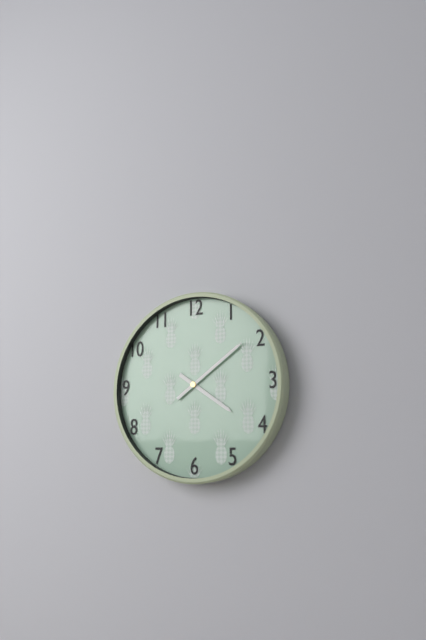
4:09
